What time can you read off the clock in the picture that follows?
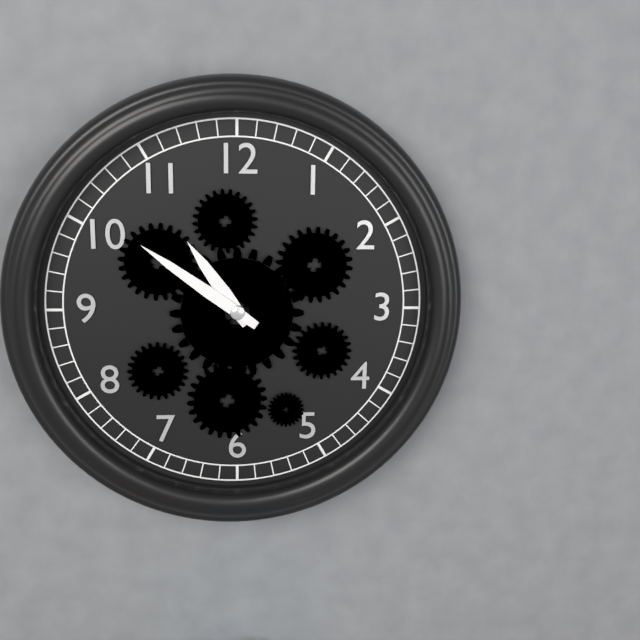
10:51
